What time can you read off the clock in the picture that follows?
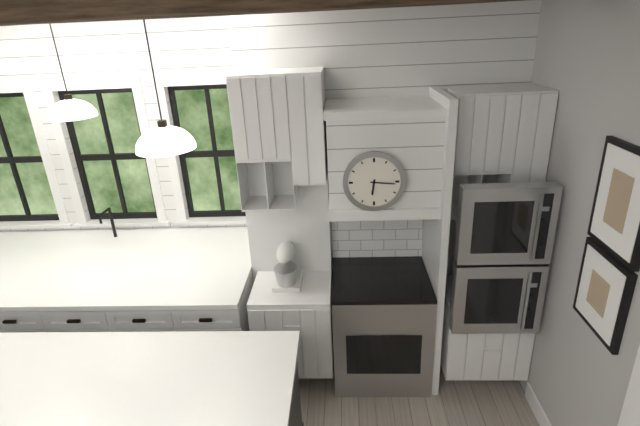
6:16
